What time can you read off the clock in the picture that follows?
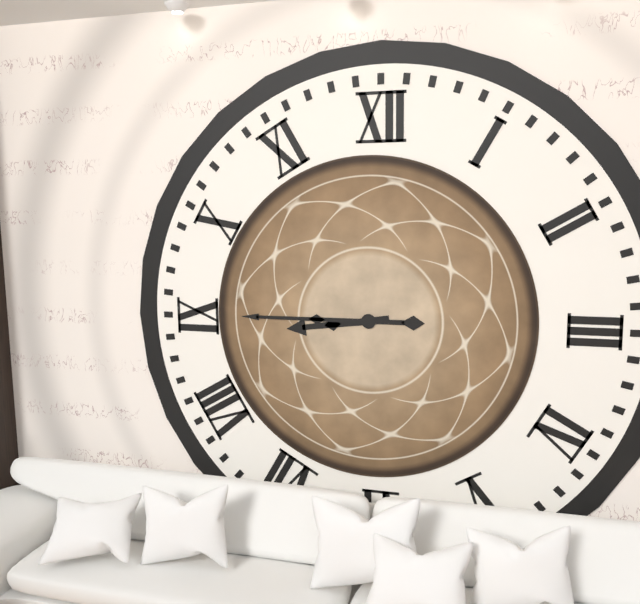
8:45
